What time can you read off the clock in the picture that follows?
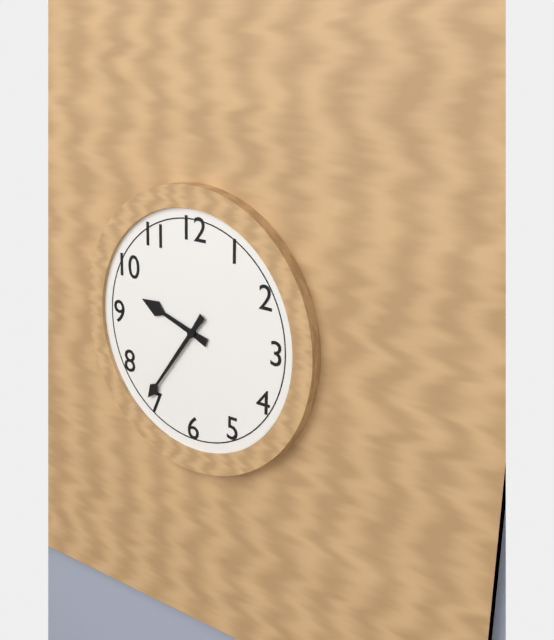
9:36
